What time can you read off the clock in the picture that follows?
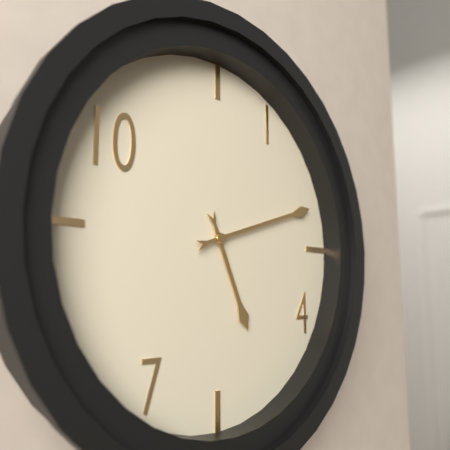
5:12
